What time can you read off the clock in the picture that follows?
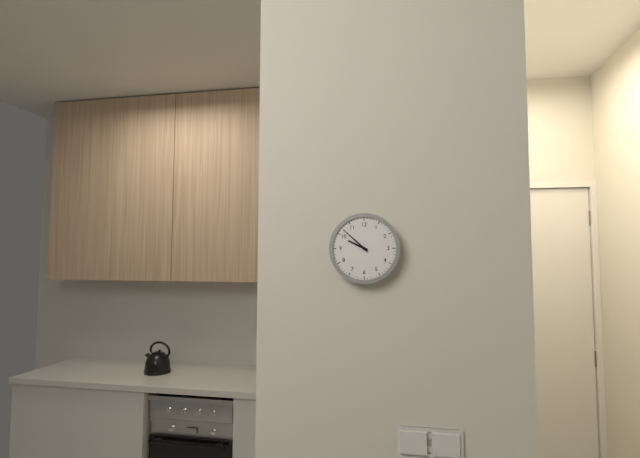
9:52
